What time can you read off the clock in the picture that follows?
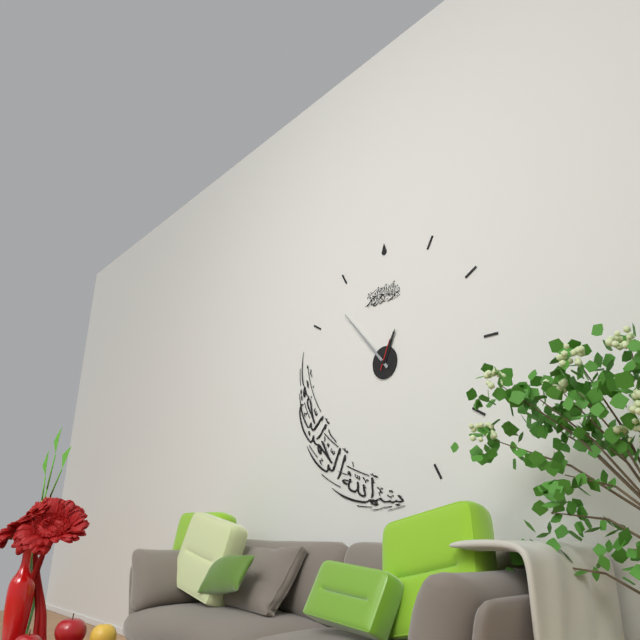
12:53
